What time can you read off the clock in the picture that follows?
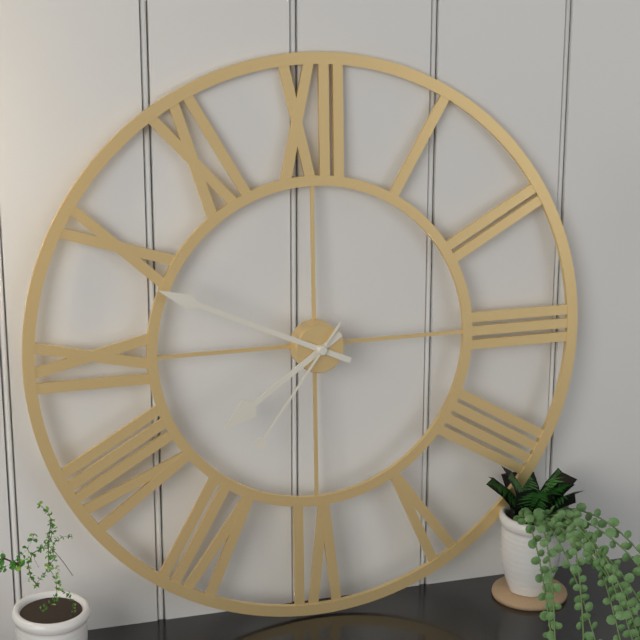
7:49:36
